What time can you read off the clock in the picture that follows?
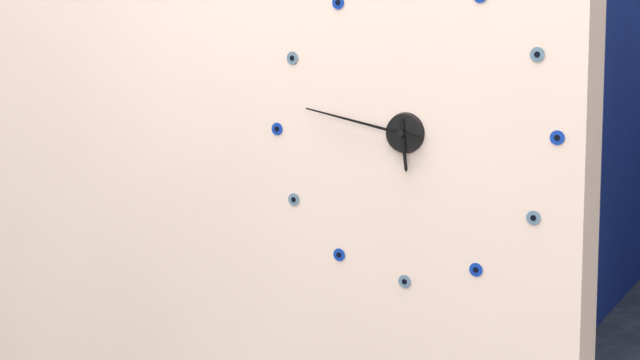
5:47
